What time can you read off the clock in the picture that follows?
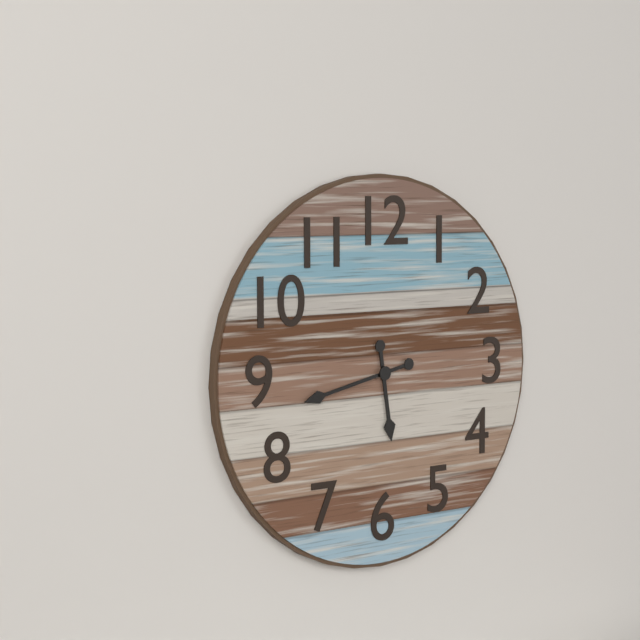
5:43
